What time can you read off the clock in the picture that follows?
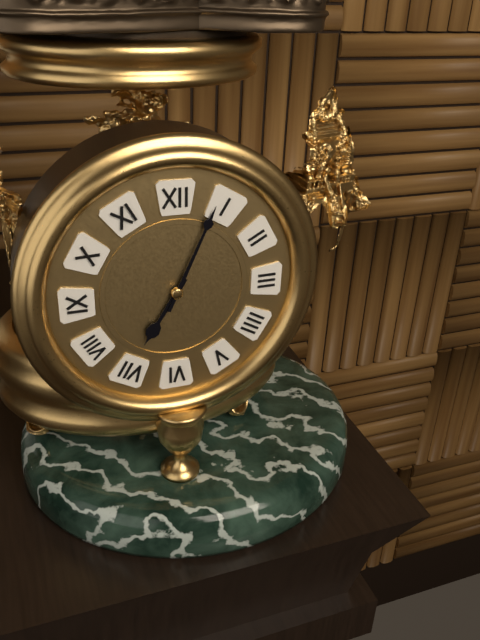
7:04
